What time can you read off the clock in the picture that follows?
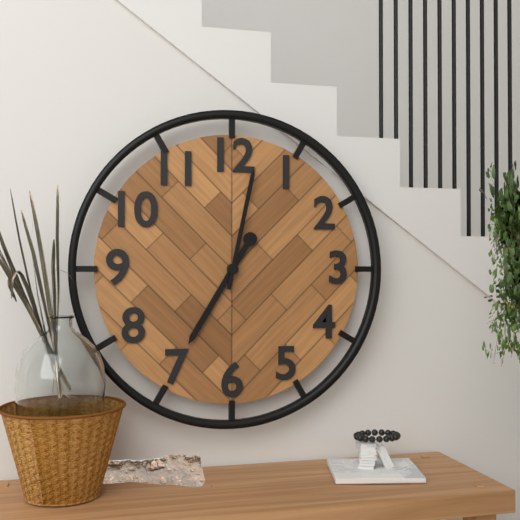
7:02
